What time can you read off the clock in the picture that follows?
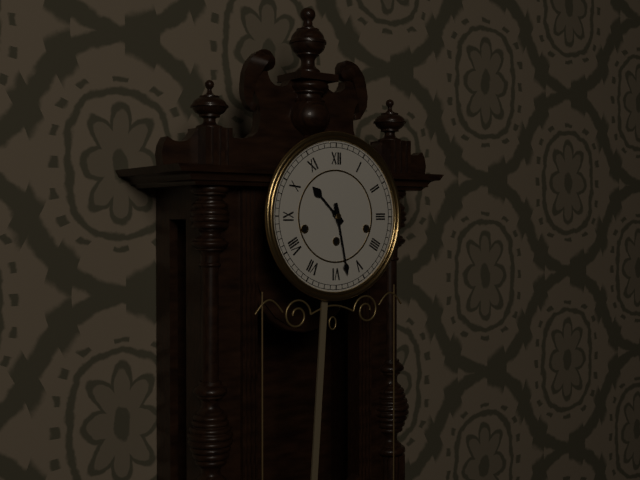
10:28
